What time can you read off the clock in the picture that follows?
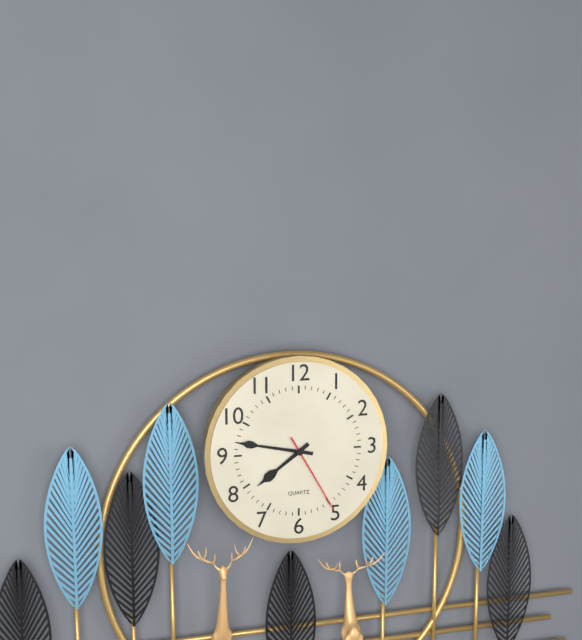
7:47:25
